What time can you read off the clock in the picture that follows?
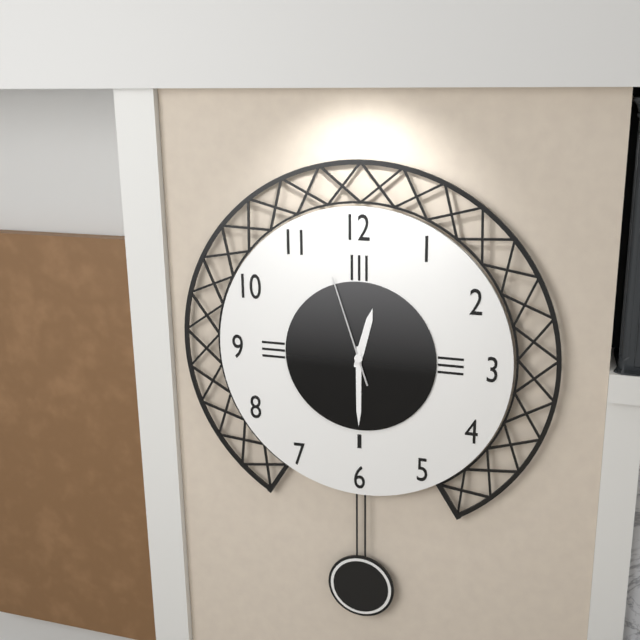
12:30:57
